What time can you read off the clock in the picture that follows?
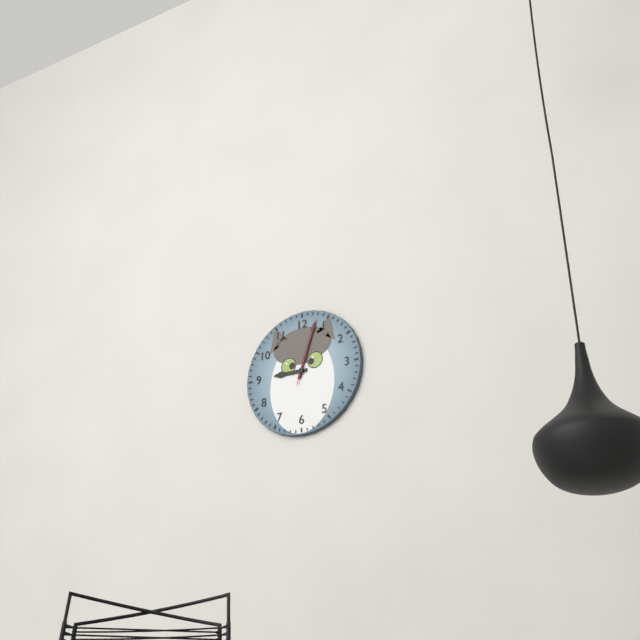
9:03:03
